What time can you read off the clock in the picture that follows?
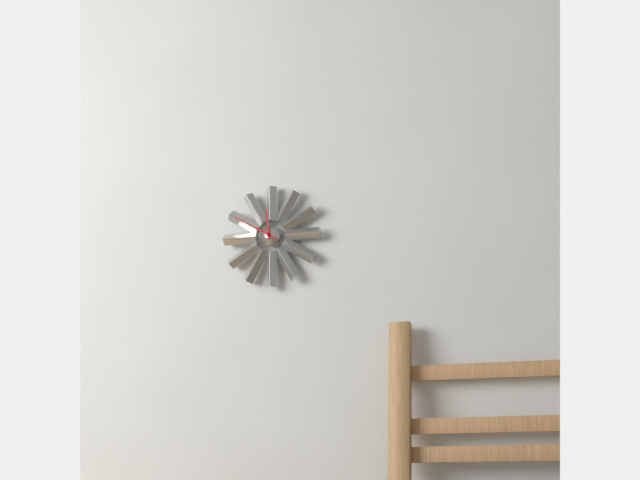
11:50
